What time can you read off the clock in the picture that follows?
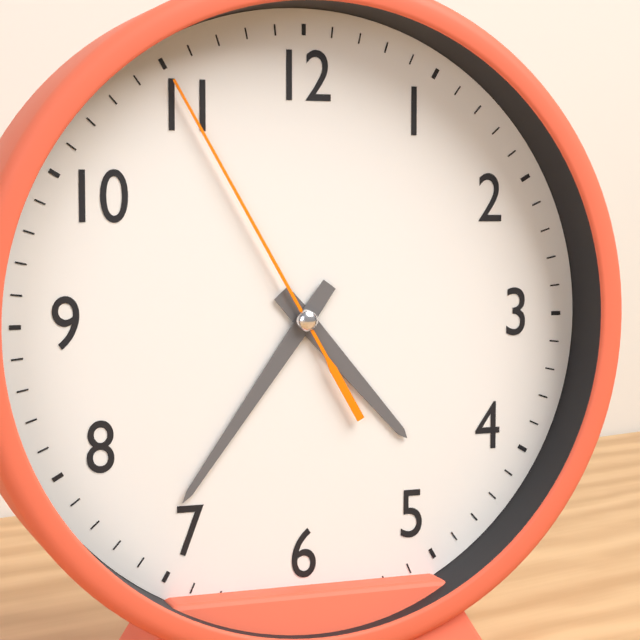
4:36:55
